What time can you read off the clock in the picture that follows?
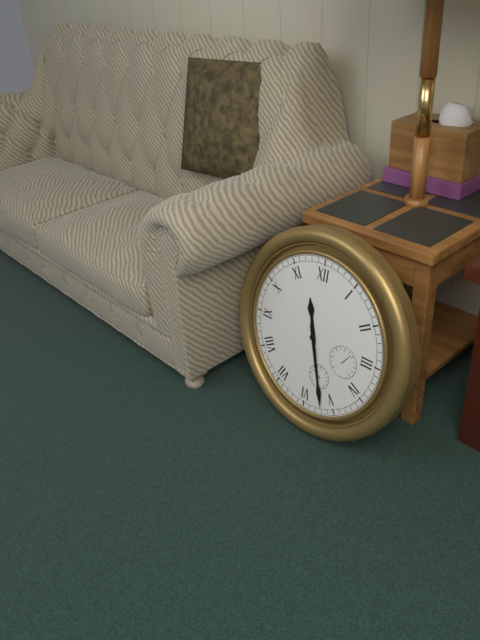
11:27
